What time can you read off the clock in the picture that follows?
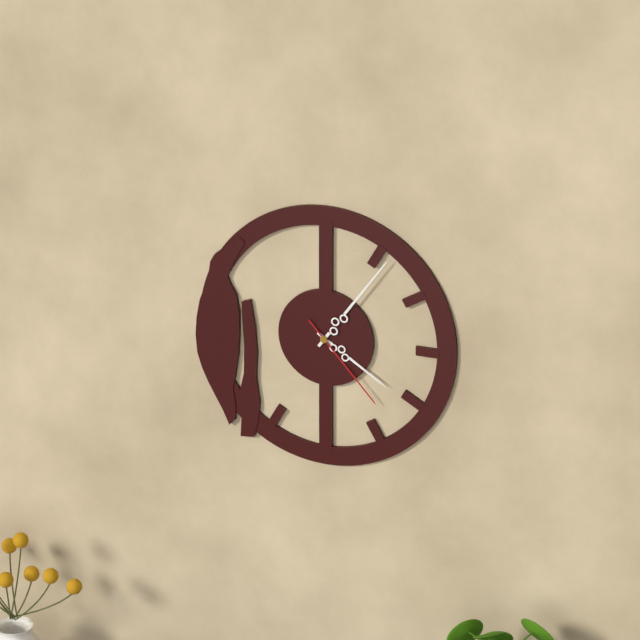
4:06:23
